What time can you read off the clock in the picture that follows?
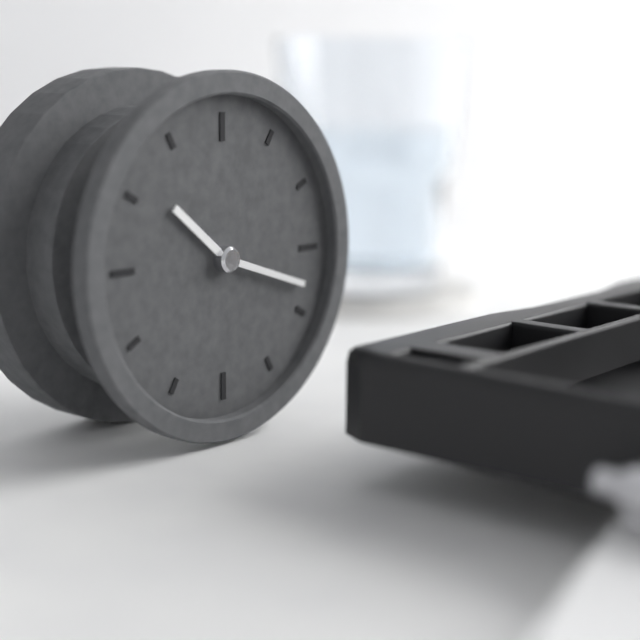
10:18
